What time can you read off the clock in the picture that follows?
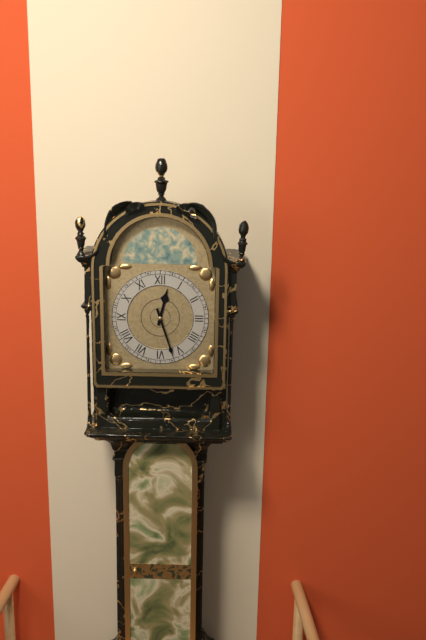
12:27
